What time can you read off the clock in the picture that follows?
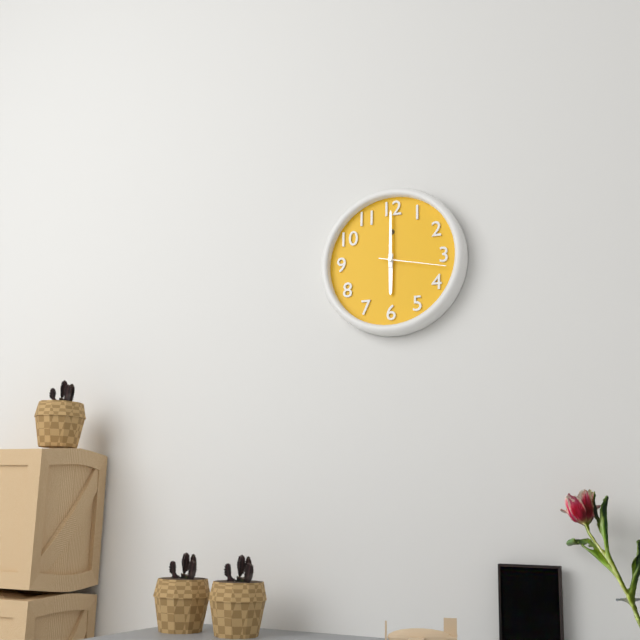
6:00:17
